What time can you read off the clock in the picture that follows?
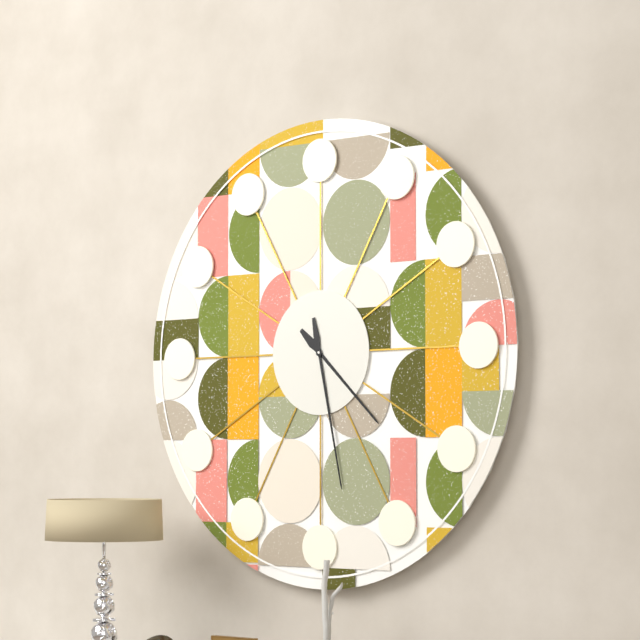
4:28
